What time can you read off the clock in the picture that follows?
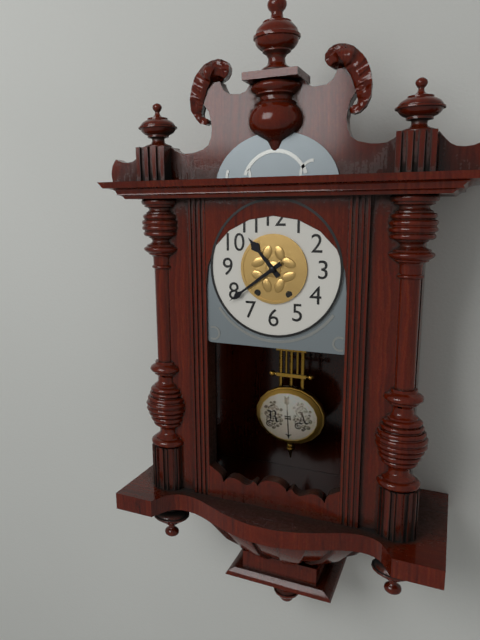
10:39
